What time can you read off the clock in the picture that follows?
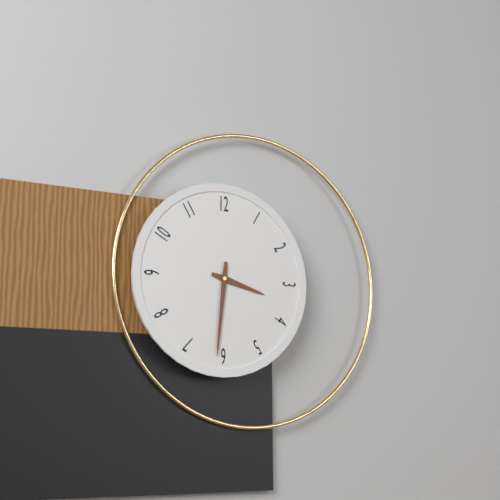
3:31
